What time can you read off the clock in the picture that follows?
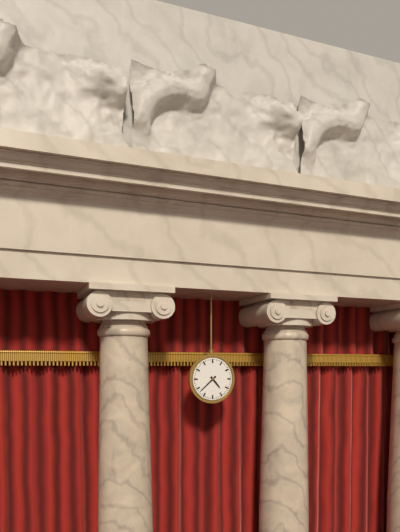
4:38
